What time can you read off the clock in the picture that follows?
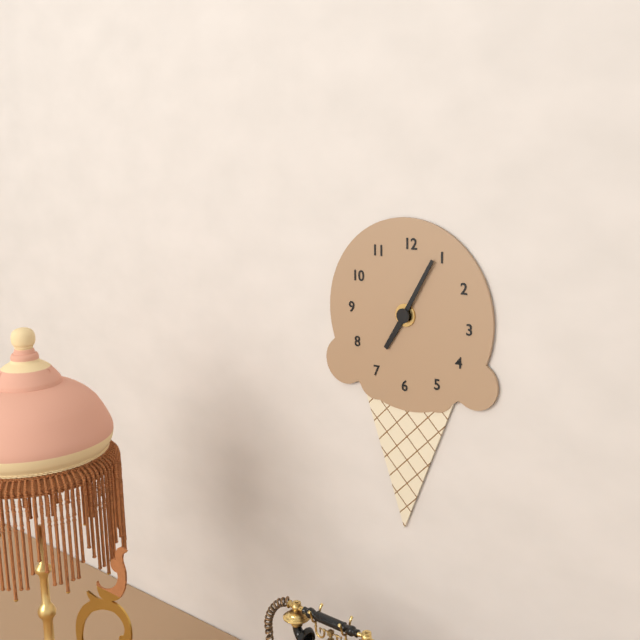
7:05
